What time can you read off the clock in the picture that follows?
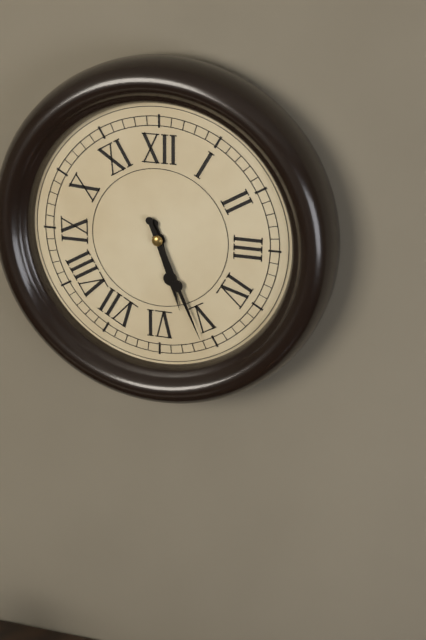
5:26
